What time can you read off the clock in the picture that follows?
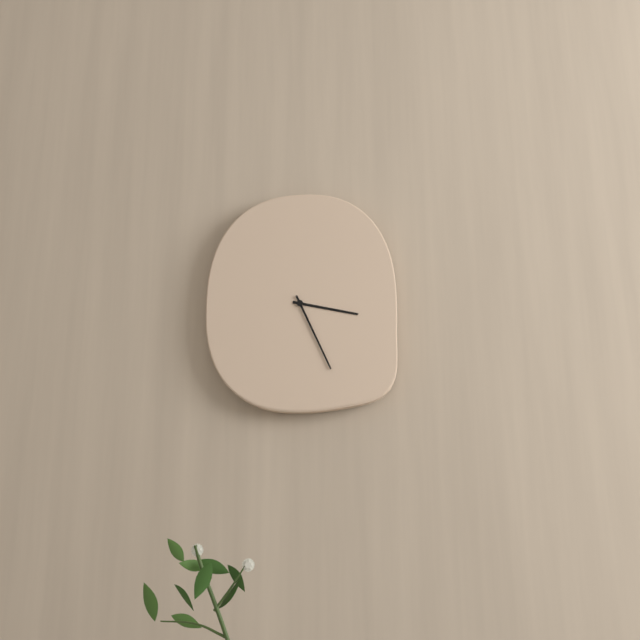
3:26
